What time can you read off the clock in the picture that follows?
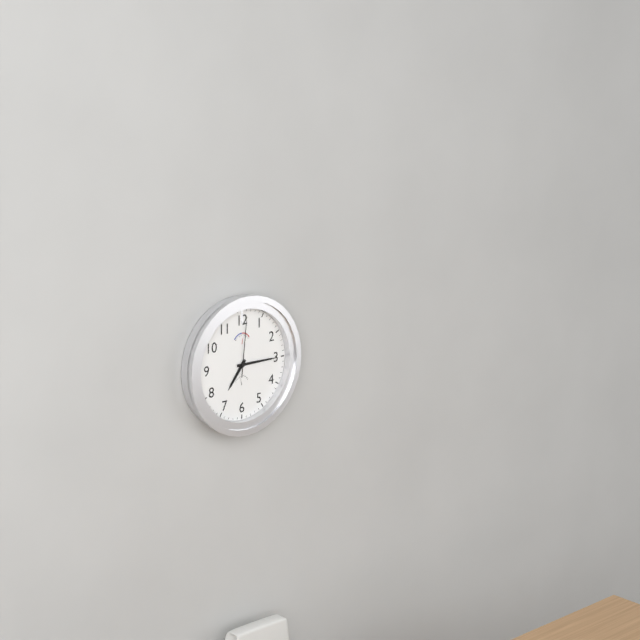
7:15:01
